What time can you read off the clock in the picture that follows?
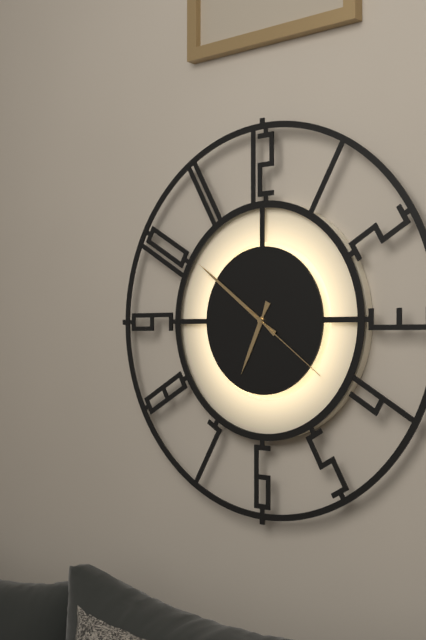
6:51:21
